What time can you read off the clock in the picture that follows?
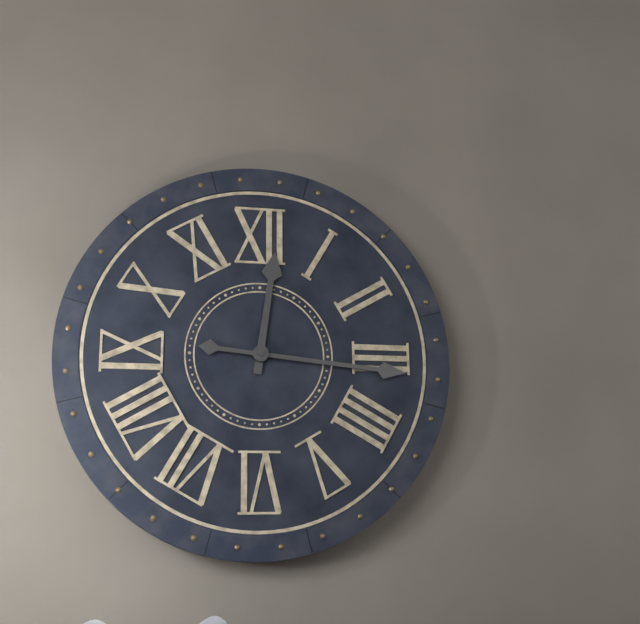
12:16
